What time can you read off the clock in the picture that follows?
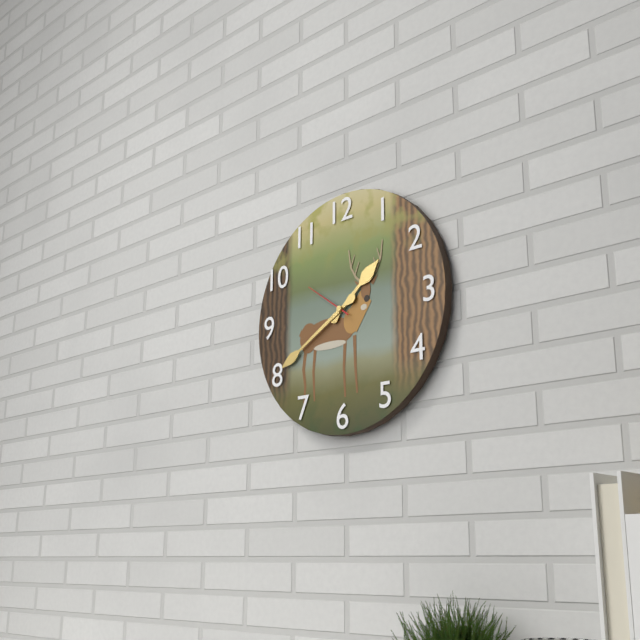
1:40
